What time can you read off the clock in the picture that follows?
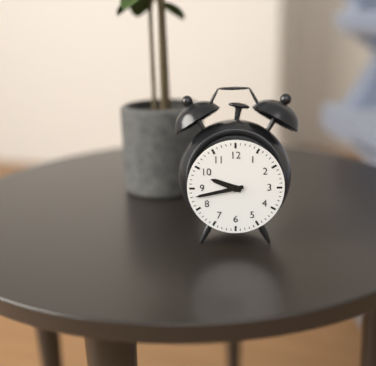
9:43
